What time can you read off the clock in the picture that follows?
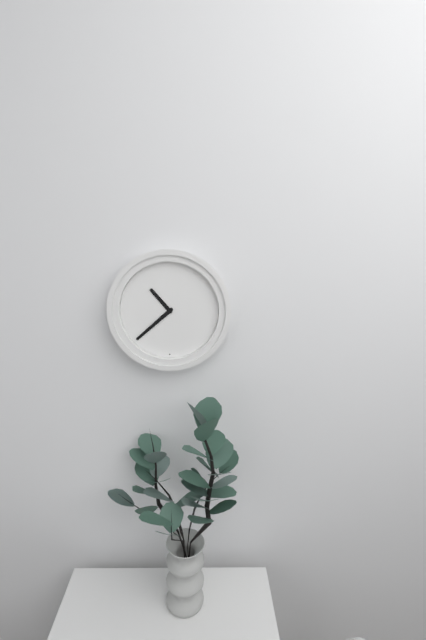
10:38
